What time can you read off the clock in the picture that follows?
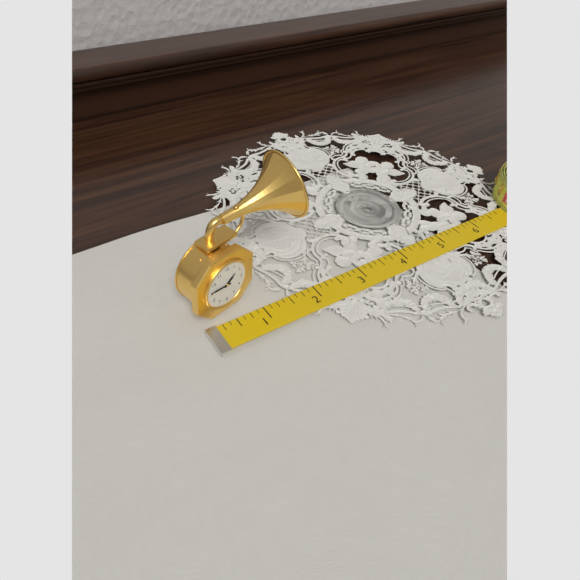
1:46
